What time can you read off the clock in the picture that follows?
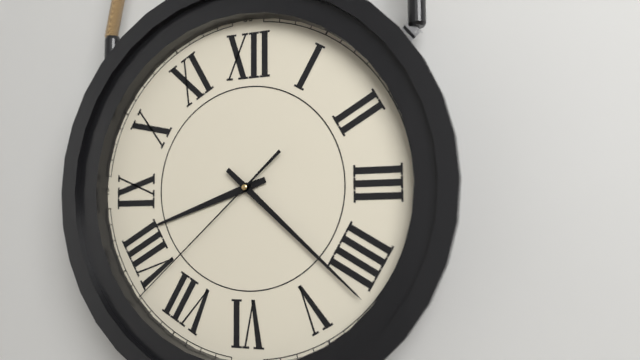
8:22:38
